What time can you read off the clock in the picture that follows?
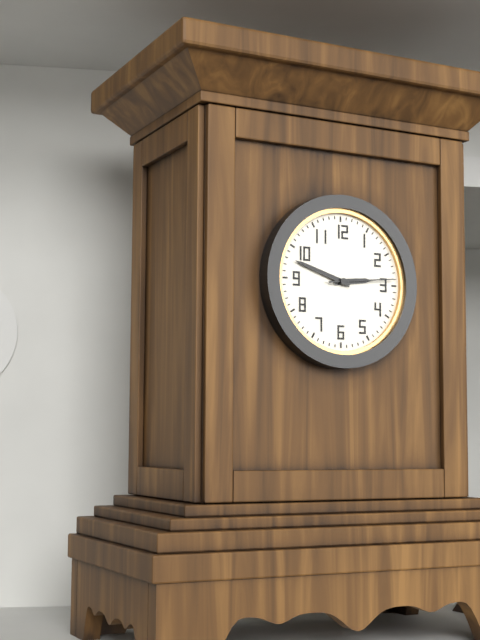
2:48:14
